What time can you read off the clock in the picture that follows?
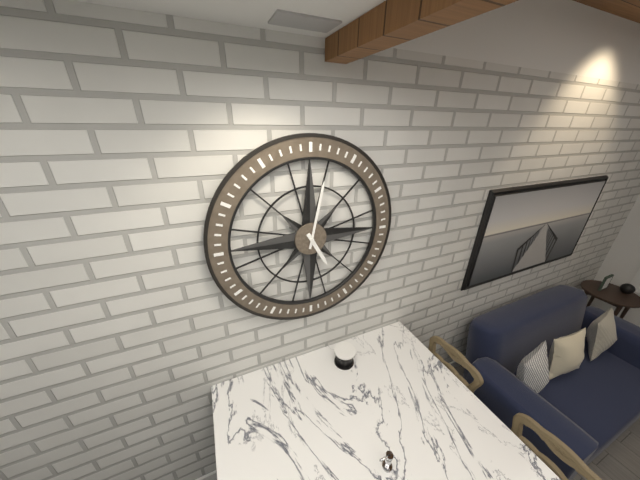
5:02
